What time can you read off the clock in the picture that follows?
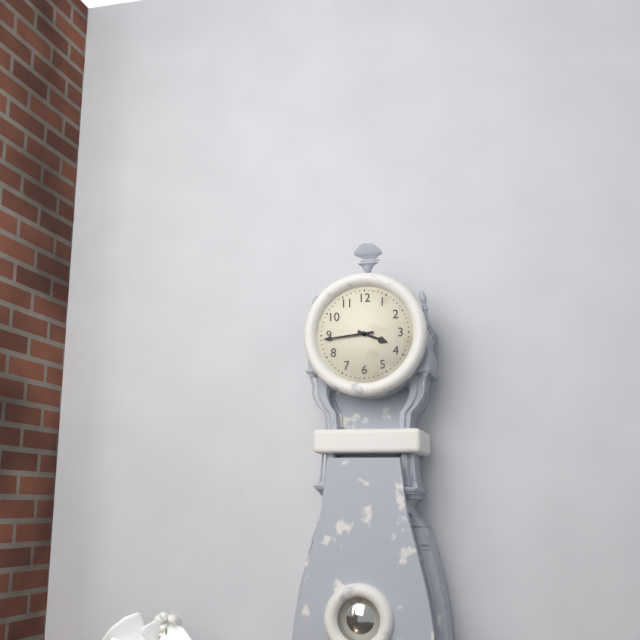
3:44
